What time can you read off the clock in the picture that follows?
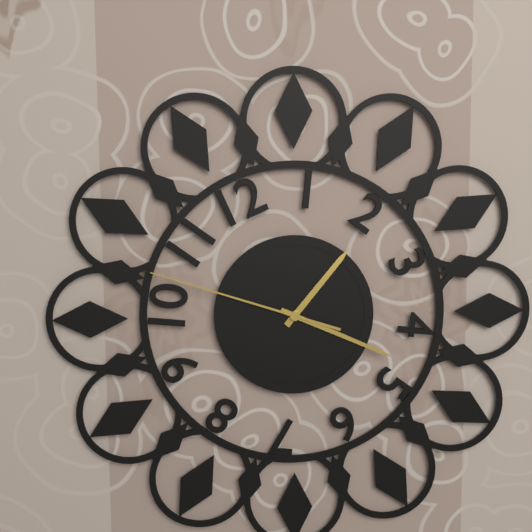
1:19:48
